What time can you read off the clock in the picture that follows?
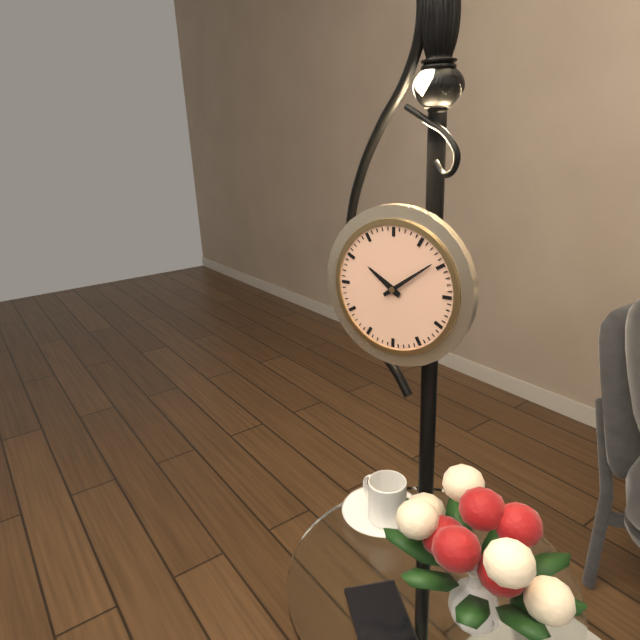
10:09
